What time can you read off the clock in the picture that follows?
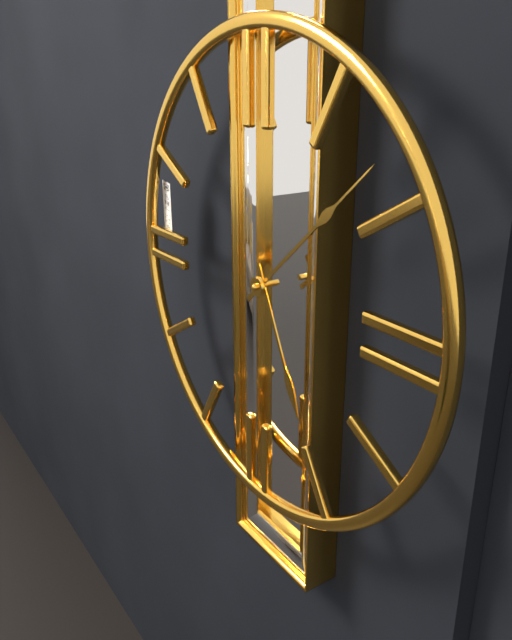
5:08
